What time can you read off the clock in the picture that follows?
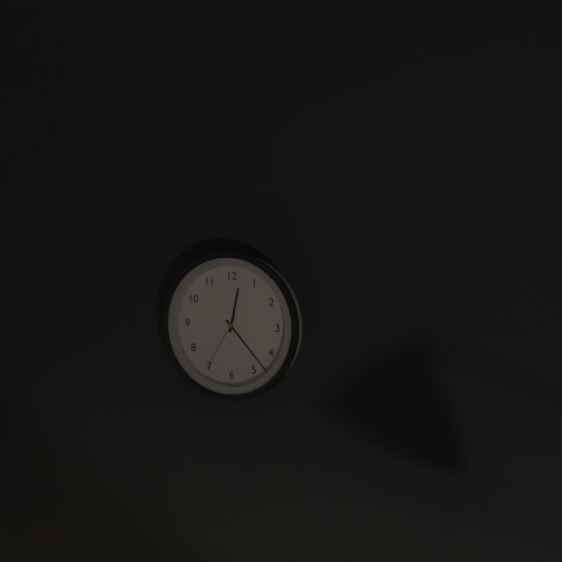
12:23:35
